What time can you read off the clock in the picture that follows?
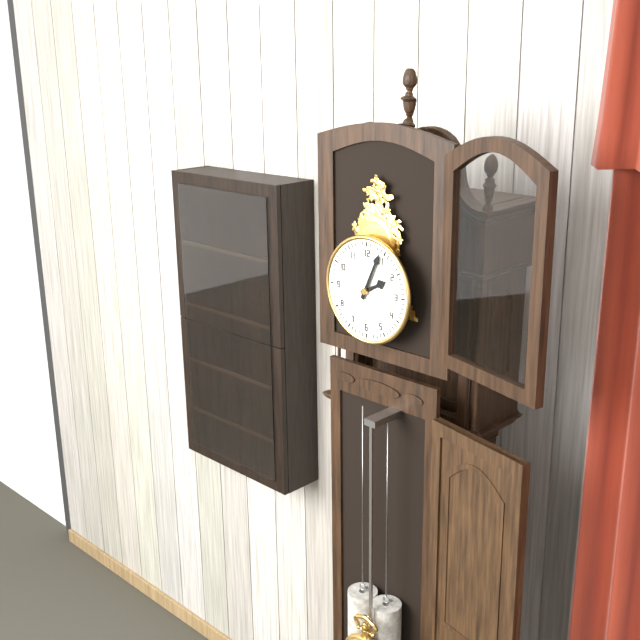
2:04
